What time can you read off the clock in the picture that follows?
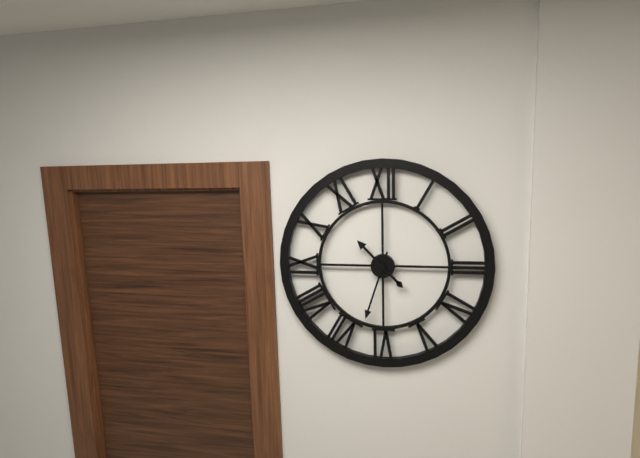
10:33
